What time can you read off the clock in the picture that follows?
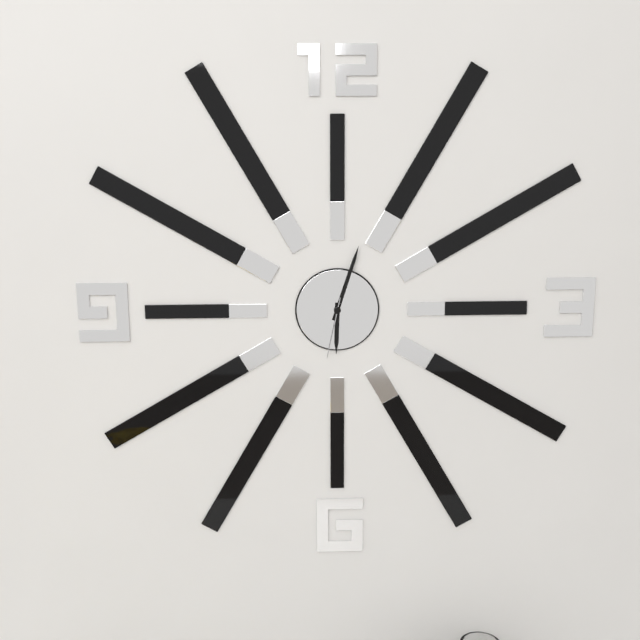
6:03:32
